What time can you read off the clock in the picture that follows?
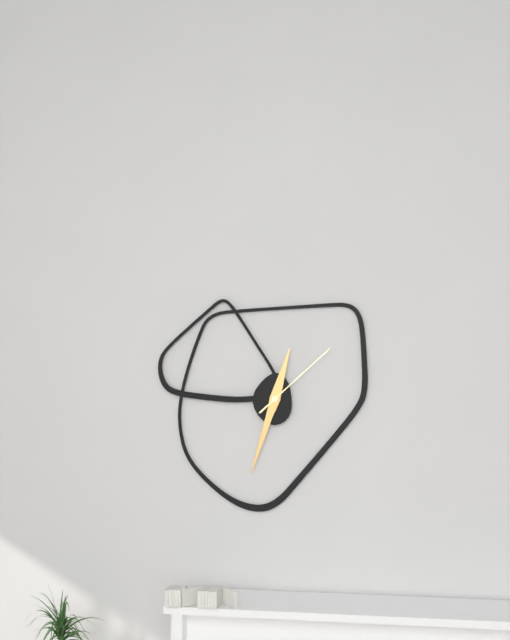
12:33:08
